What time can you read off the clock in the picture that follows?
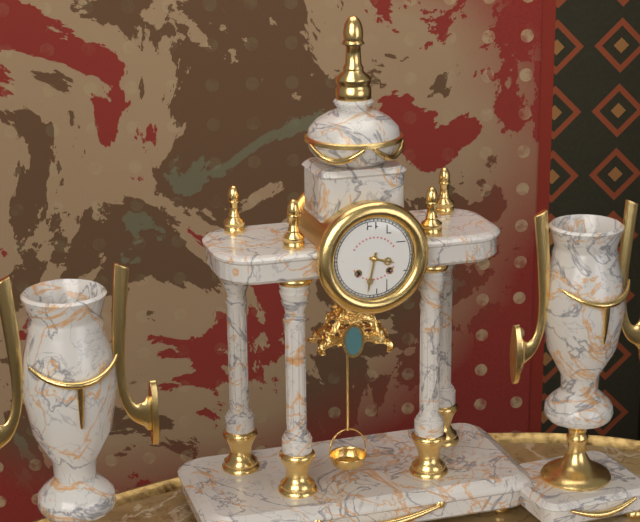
3:32
